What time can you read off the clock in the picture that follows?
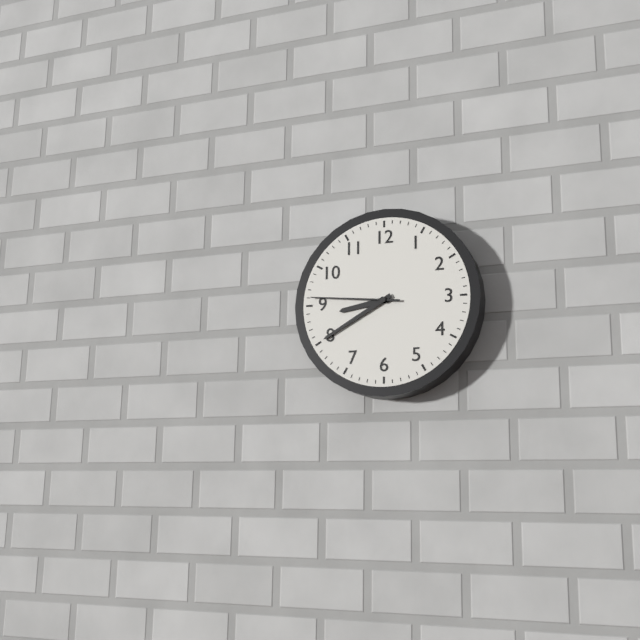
8:40:46
